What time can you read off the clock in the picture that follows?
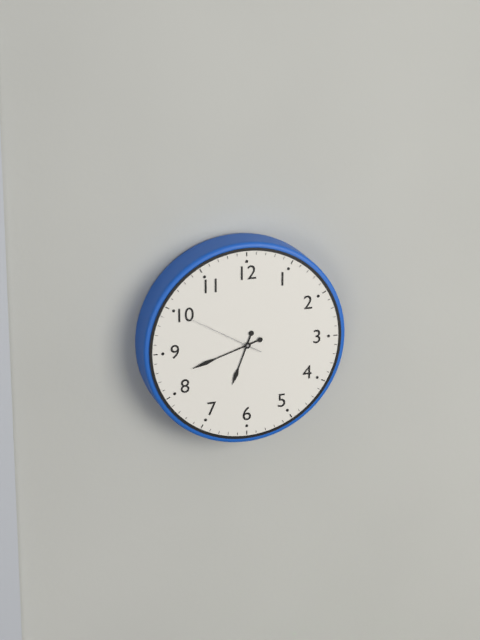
6:42:50
